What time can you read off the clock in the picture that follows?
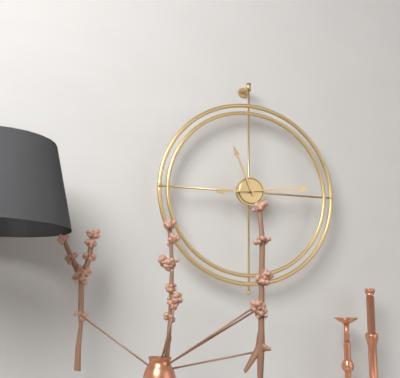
11:14
